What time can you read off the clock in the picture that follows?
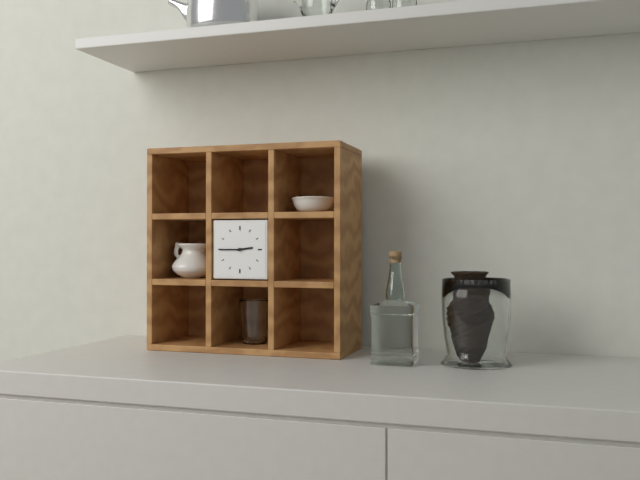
2:45
